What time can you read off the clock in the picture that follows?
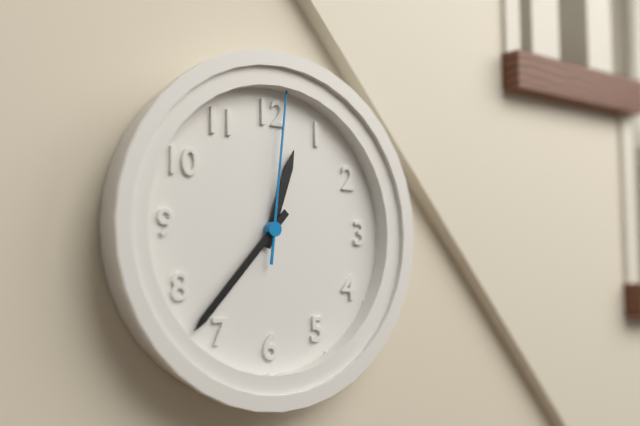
12:37:01
